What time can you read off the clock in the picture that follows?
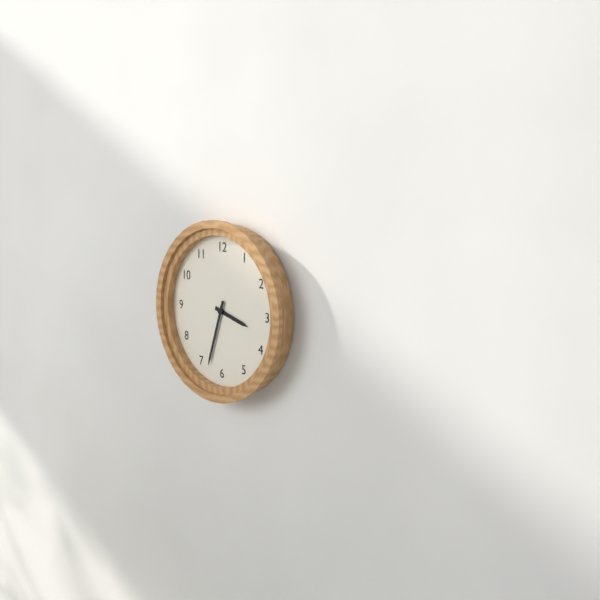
3:33
